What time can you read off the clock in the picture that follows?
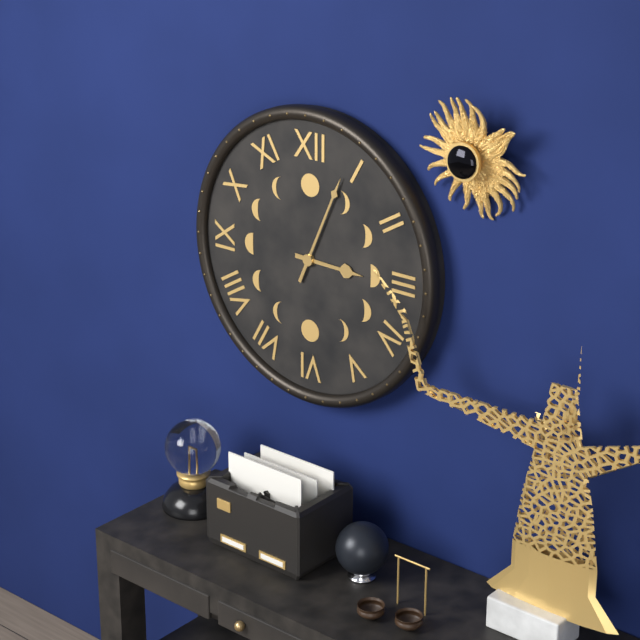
3:04
